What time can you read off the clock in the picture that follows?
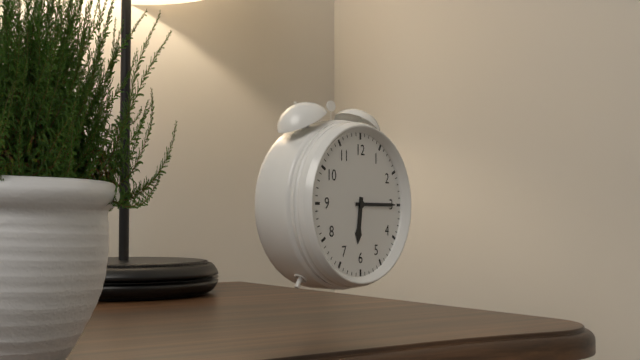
6:15
